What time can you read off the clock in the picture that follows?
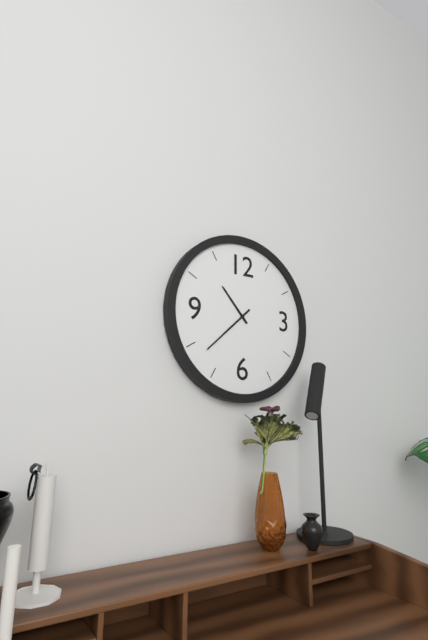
10:38
